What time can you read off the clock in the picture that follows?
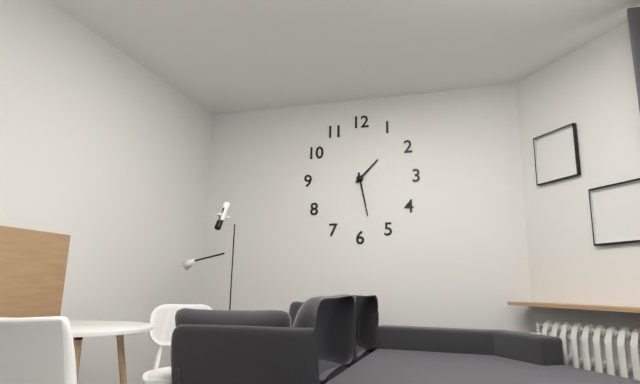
1:28
